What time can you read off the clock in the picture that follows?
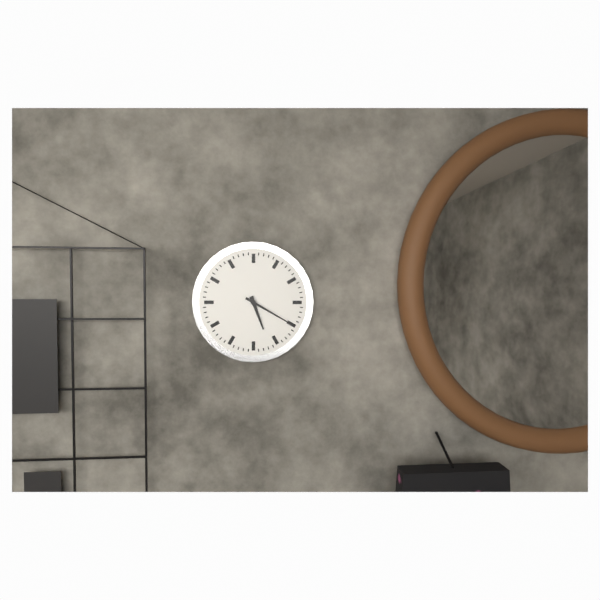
5:20
